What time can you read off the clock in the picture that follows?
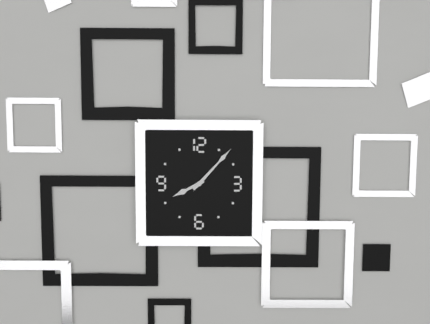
8:07
